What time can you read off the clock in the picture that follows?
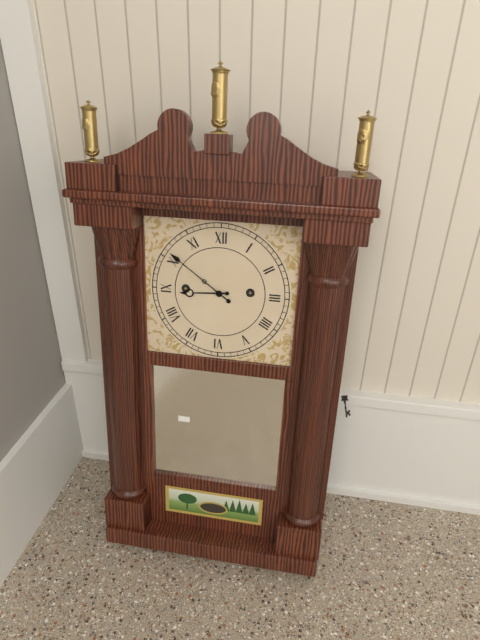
8:51
